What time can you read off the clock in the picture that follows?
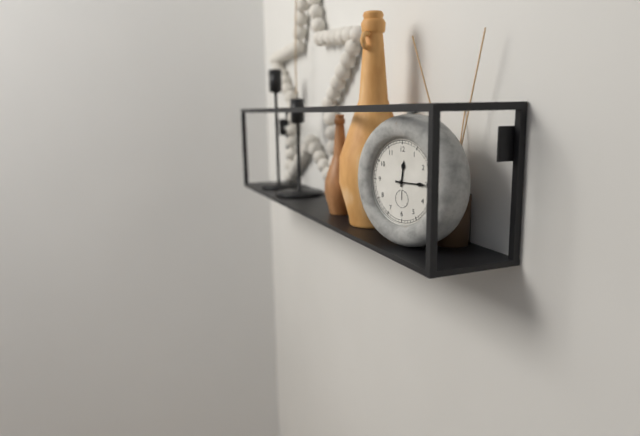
12:15
